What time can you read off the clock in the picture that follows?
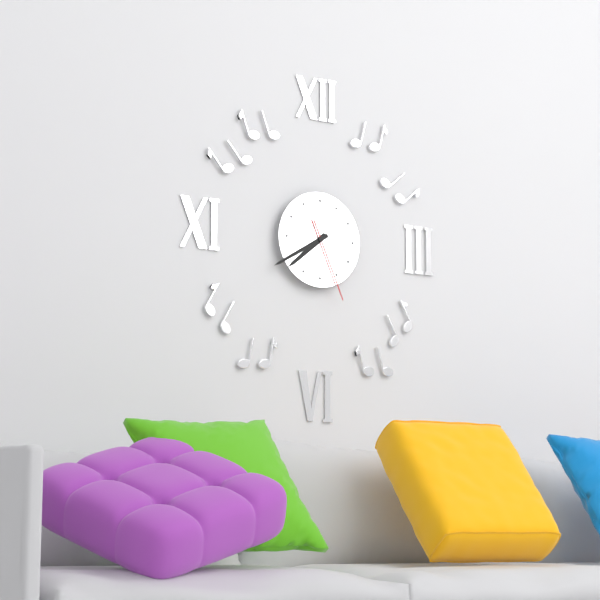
7:40:26
